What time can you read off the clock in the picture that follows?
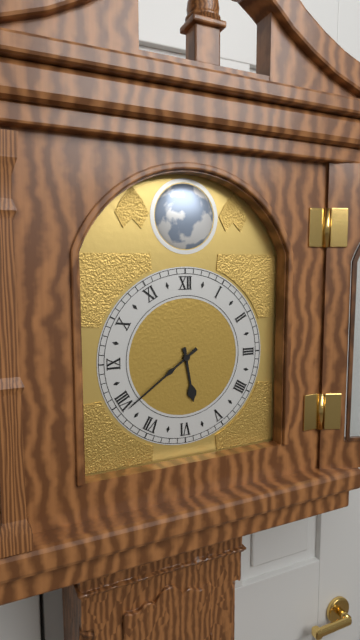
5:39
